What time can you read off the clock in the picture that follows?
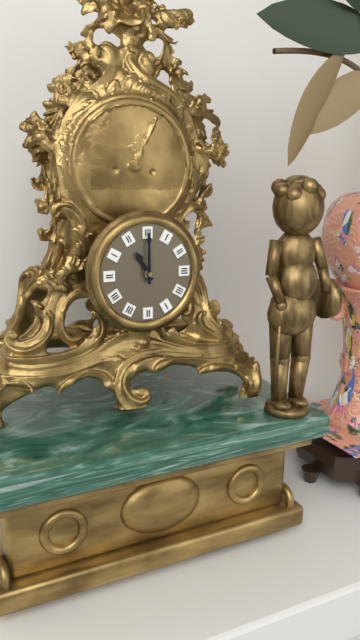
11:00
